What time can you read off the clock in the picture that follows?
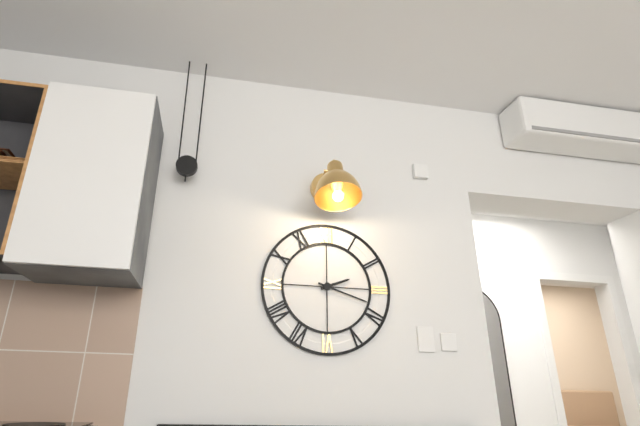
2:18
